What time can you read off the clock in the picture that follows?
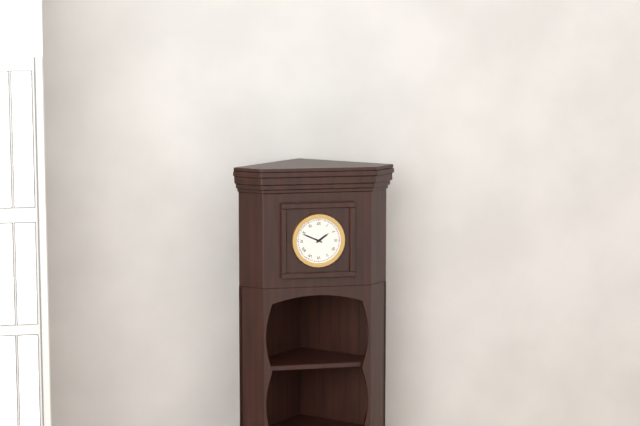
1:49
